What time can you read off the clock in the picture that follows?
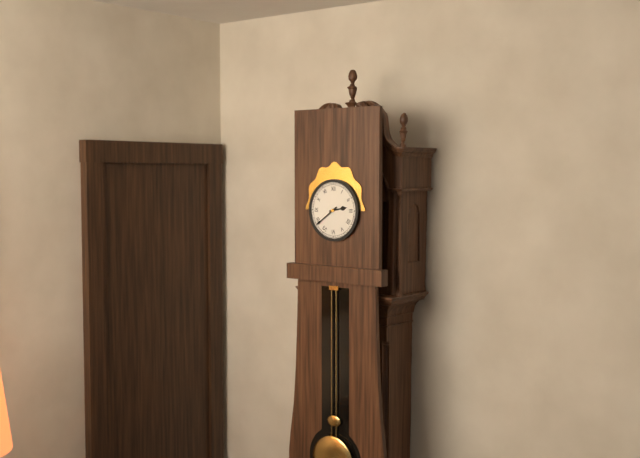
2:39
